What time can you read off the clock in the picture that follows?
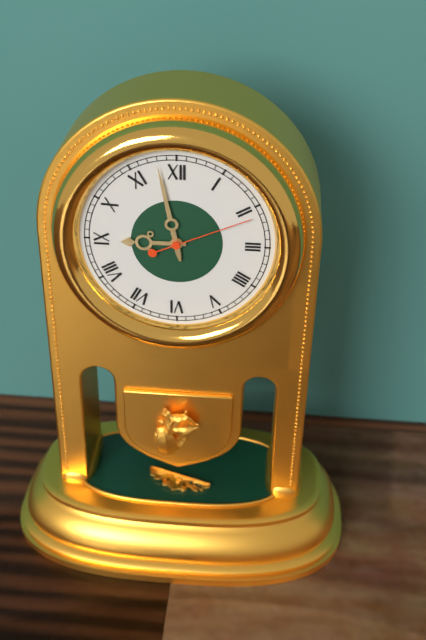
8:58:11
